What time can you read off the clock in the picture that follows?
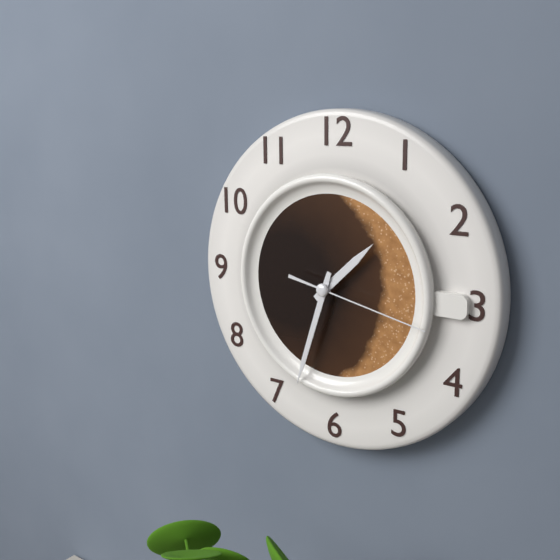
1:33:17
